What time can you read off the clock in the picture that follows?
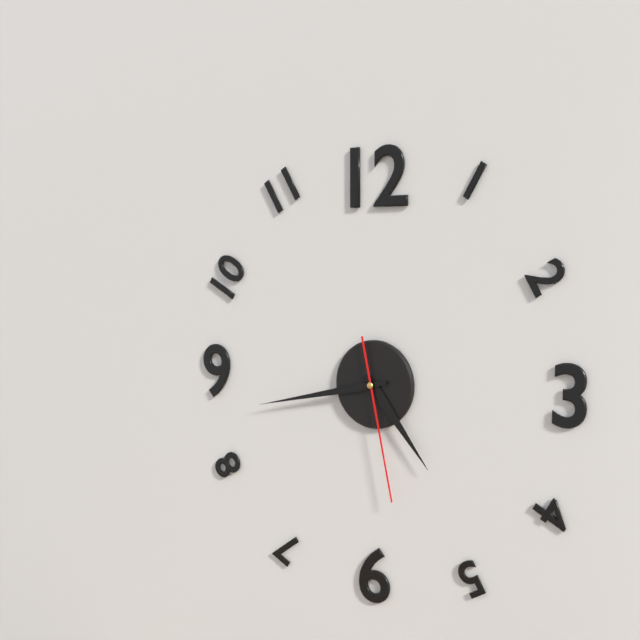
4:43:28
